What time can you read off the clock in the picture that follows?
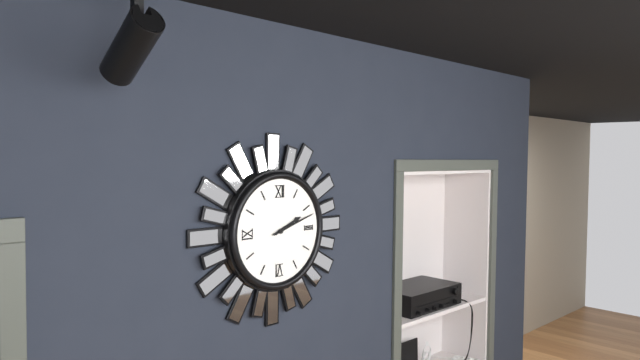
2:12
